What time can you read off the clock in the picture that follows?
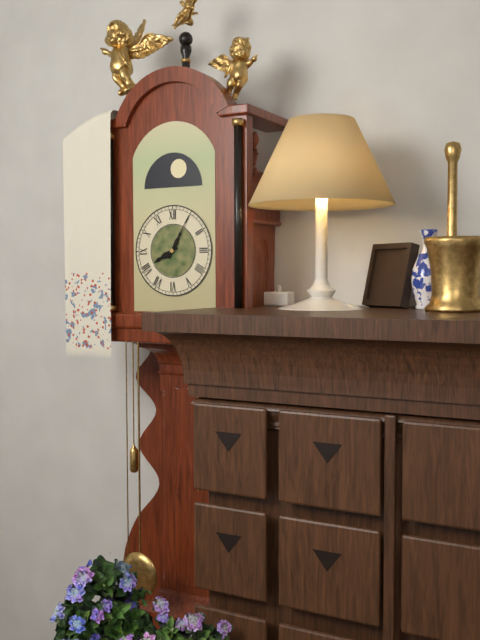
8:05
